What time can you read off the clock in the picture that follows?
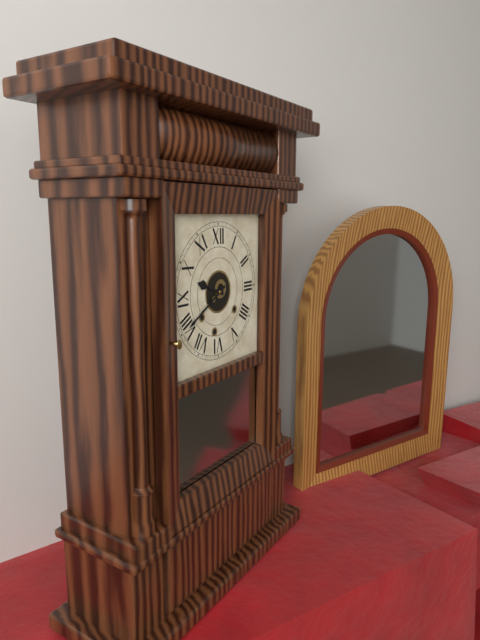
9:40
